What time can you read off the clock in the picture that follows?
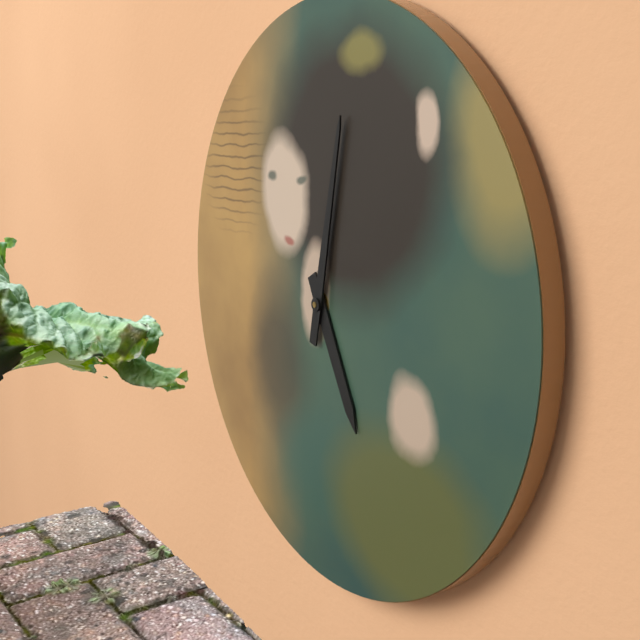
5:02
